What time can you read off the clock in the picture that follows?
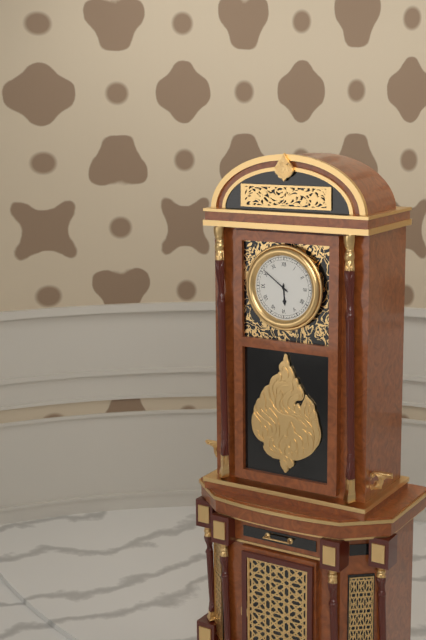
5:51
